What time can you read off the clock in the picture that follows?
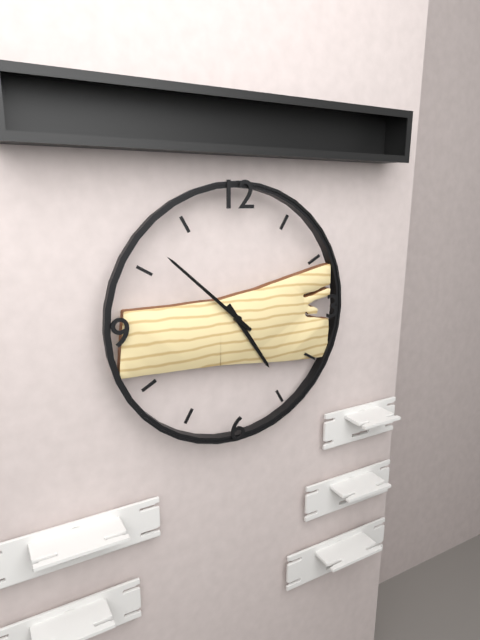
4:52
